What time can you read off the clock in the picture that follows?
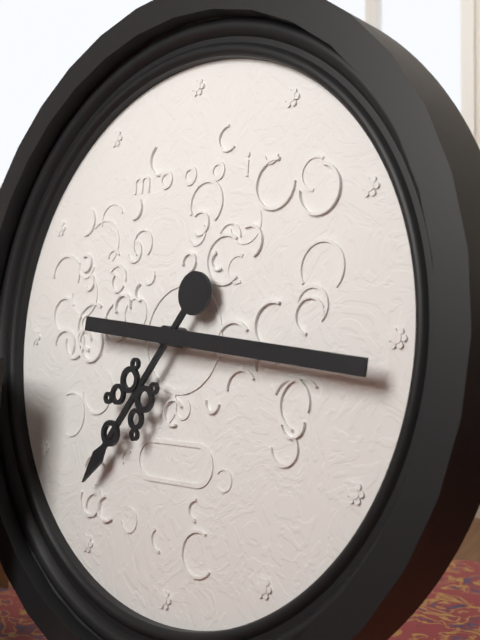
7:16
